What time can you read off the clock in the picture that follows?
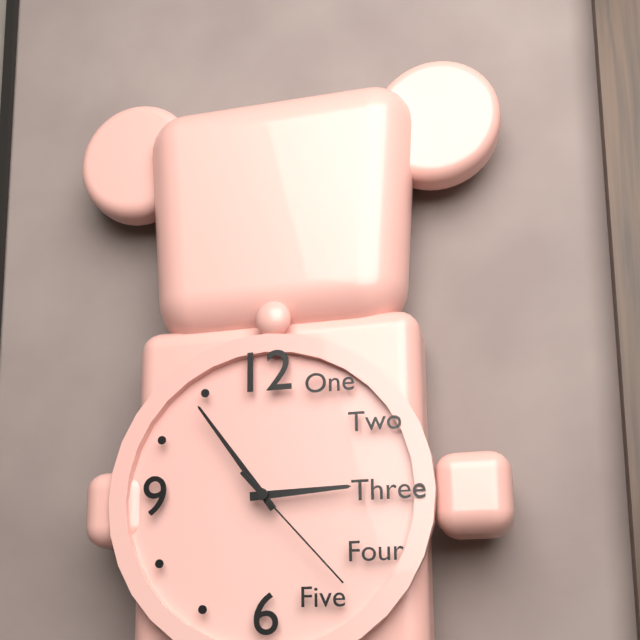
2:54:23
